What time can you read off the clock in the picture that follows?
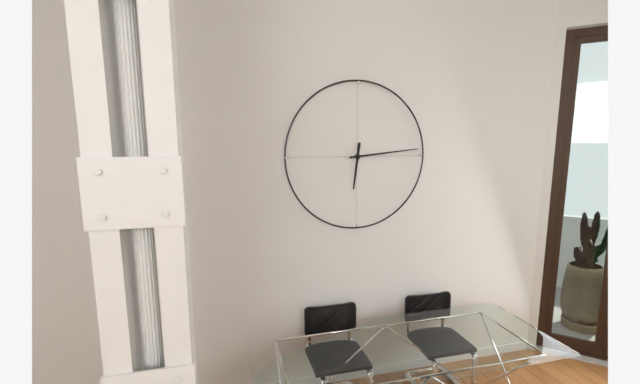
6:14
